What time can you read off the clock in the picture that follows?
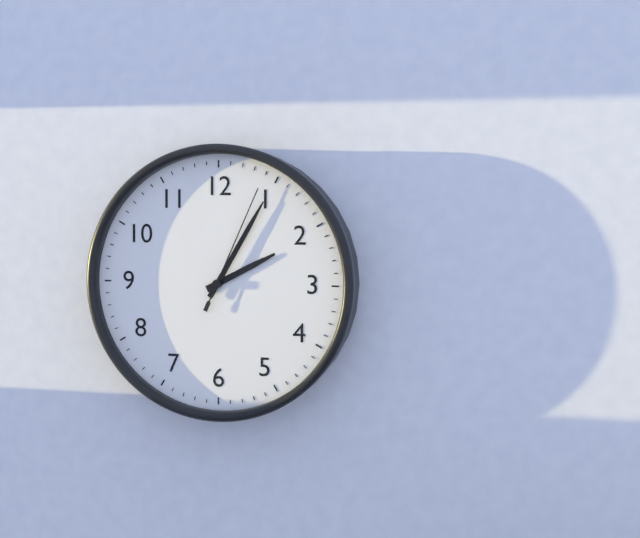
2:05:04
